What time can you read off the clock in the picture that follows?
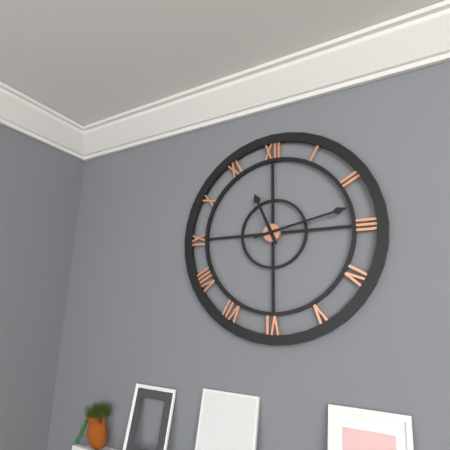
11:13
